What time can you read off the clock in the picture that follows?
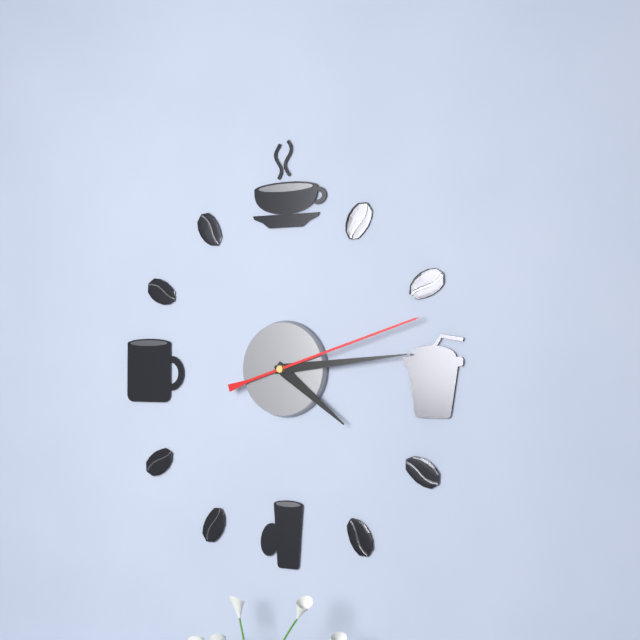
4:14:12
